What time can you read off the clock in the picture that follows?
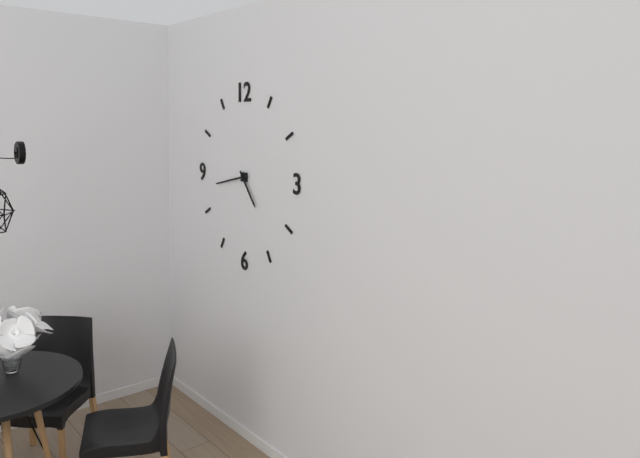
4:43
